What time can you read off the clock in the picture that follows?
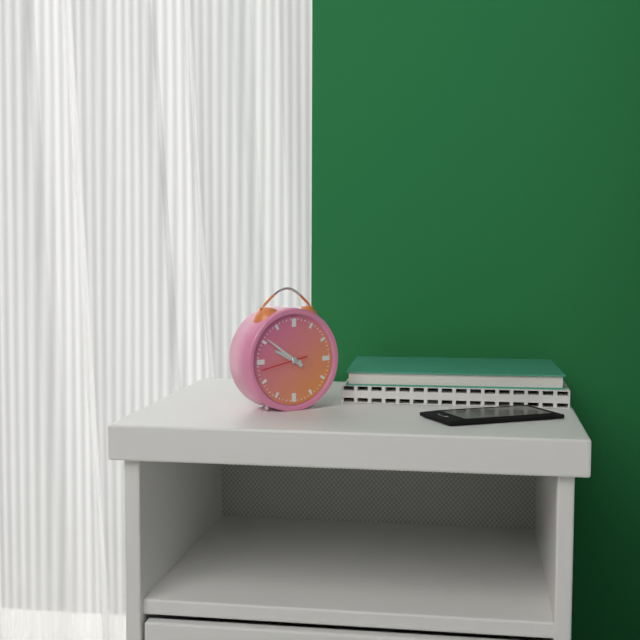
9:51
